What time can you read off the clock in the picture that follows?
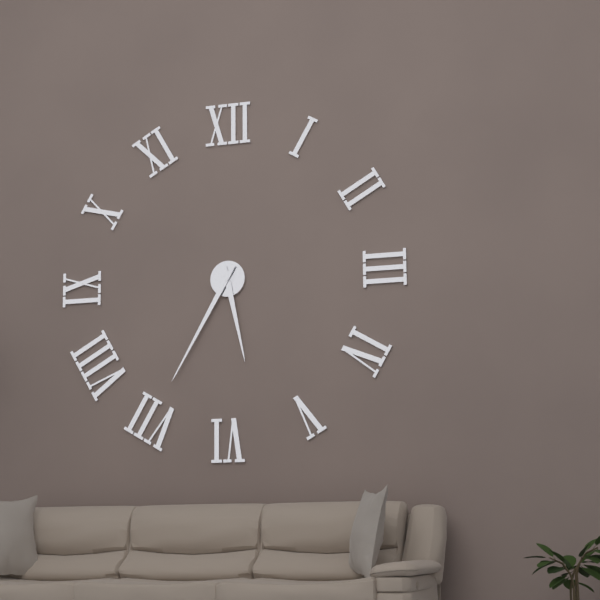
5:35
